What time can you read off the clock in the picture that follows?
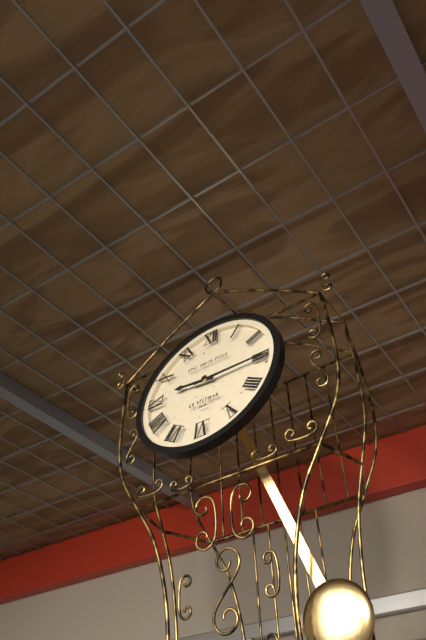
9:15
